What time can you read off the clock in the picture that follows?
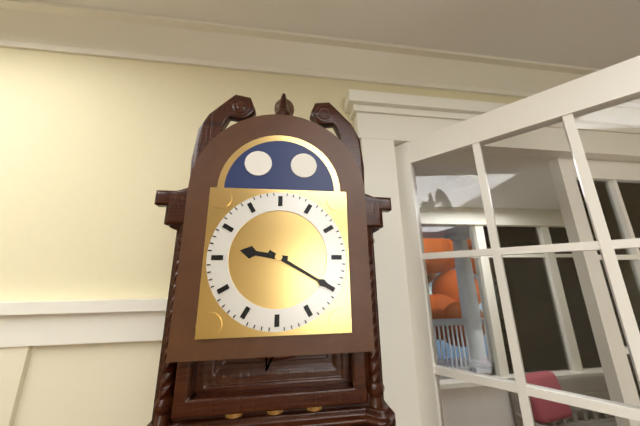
9:20
